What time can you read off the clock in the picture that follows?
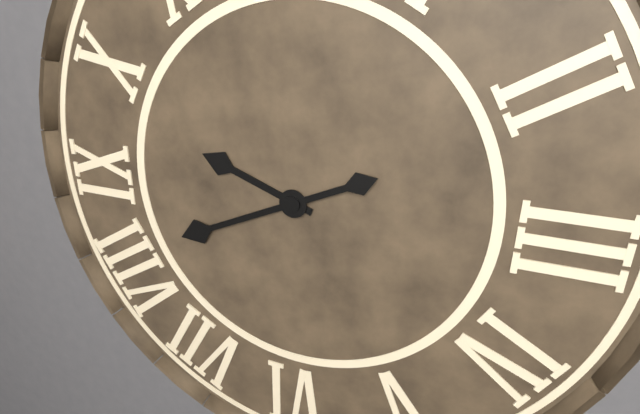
9:41
